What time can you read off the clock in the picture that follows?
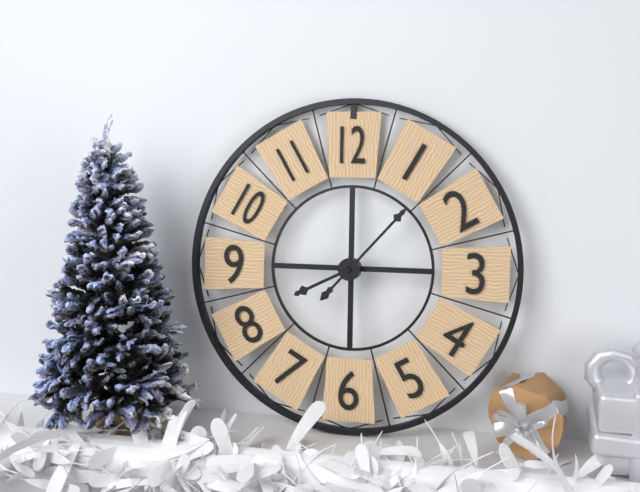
8:07
